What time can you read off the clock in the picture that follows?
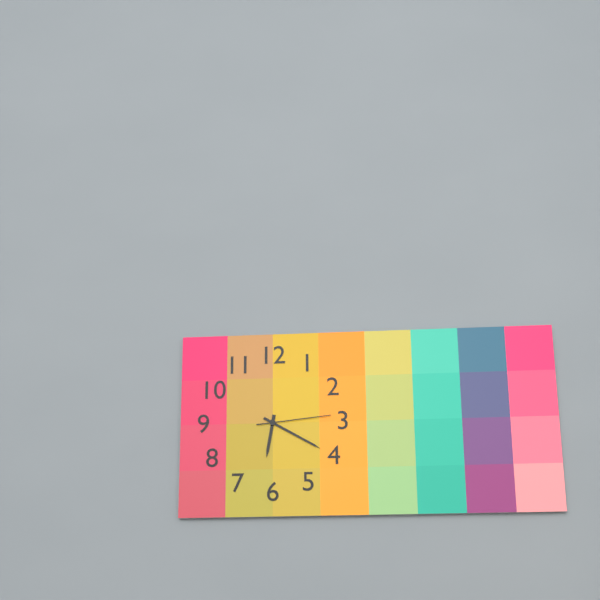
6:20:14
